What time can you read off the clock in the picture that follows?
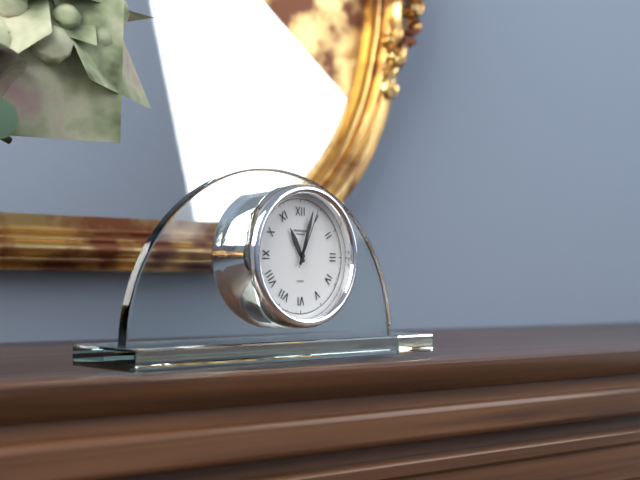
11:03:04
